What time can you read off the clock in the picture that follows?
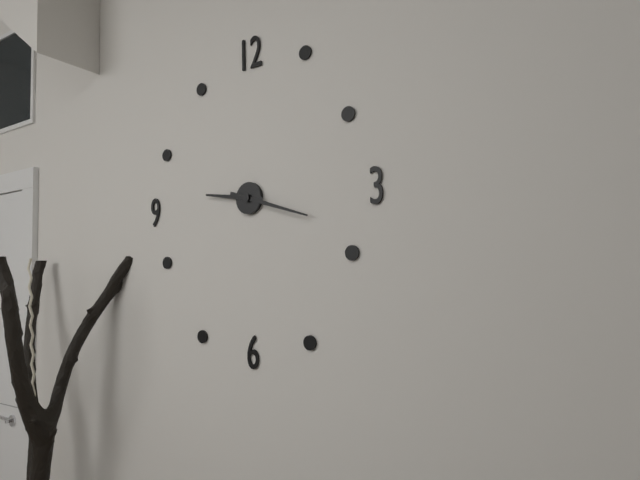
9:18
